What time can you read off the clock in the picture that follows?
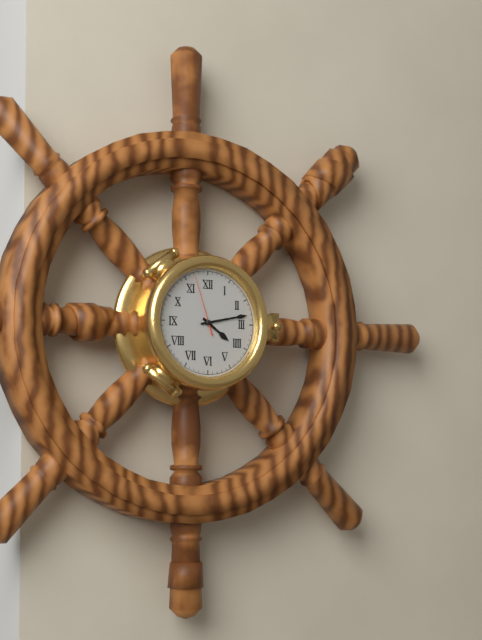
4:13:57
